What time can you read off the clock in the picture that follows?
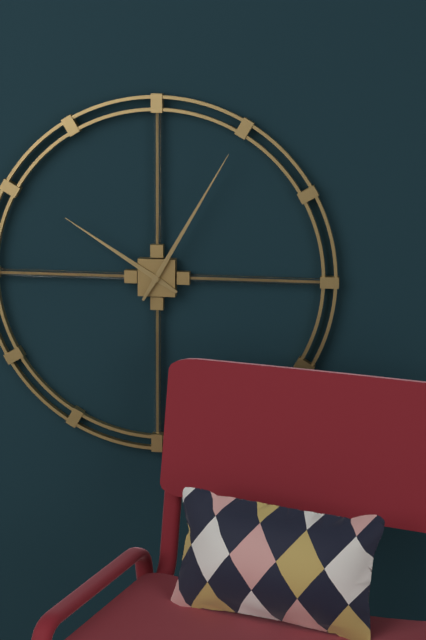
10:05
